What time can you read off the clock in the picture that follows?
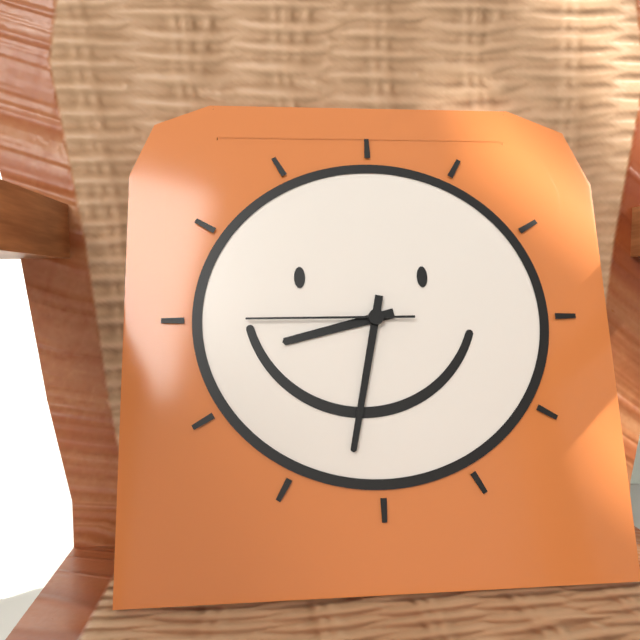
8:32:45
